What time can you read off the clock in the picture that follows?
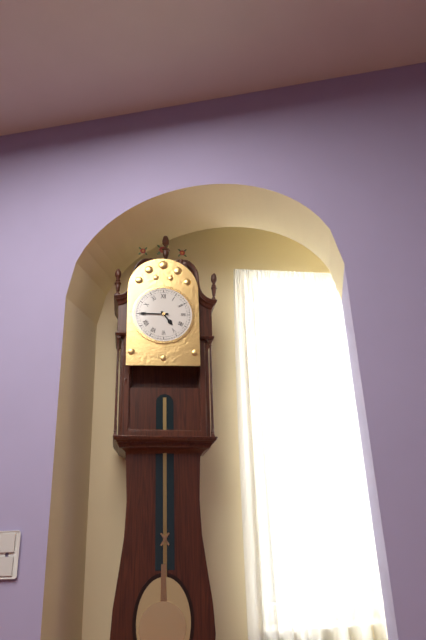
4:45
